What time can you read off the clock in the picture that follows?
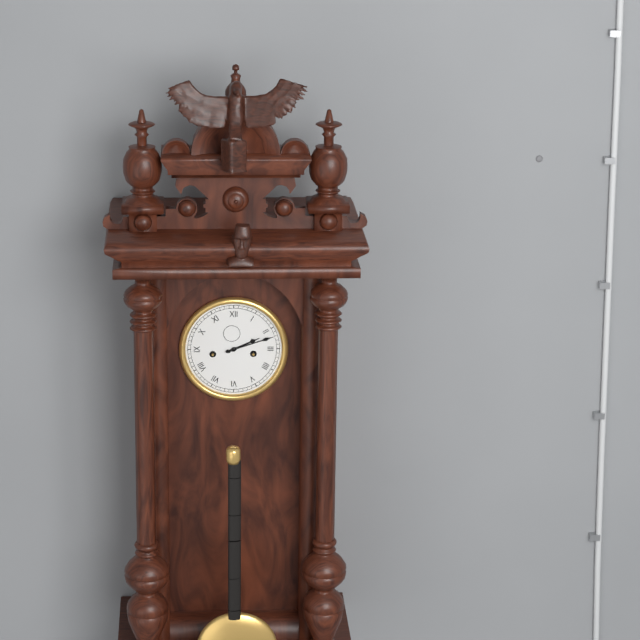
2:12
